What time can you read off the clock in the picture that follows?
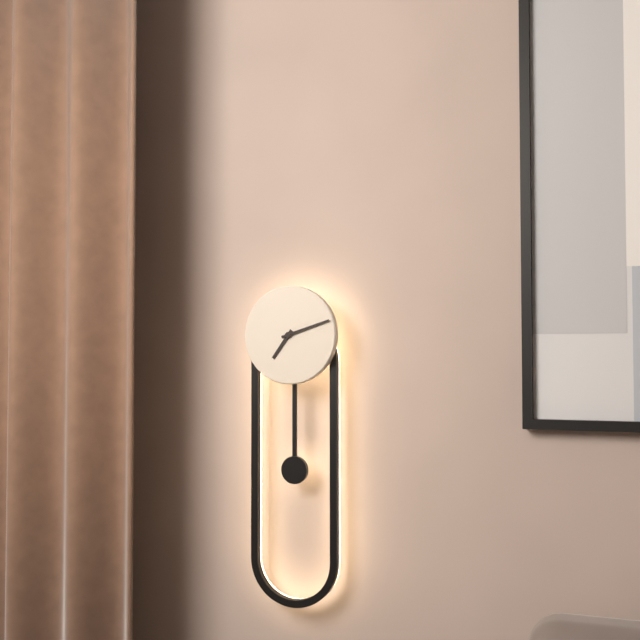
7:12
